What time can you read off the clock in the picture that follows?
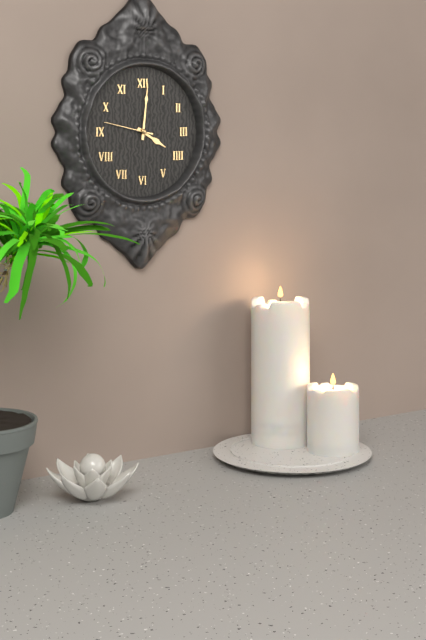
4:01:47
